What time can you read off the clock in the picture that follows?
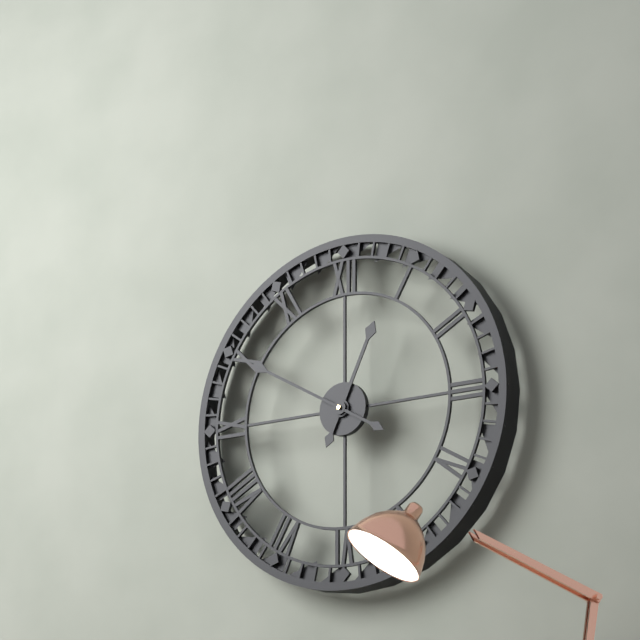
12:50
